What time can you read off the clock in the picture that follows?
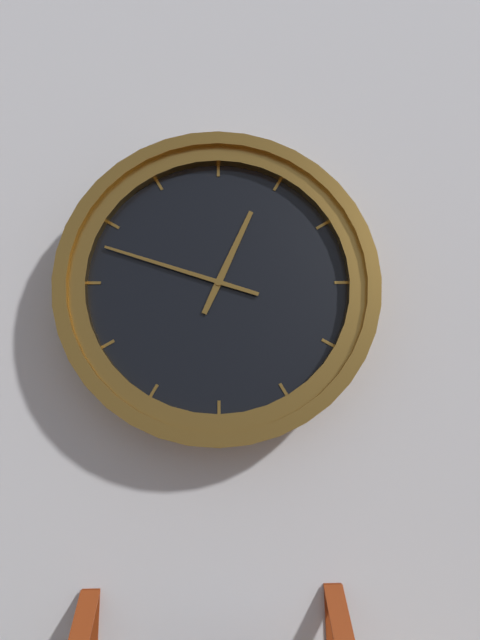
12:48
